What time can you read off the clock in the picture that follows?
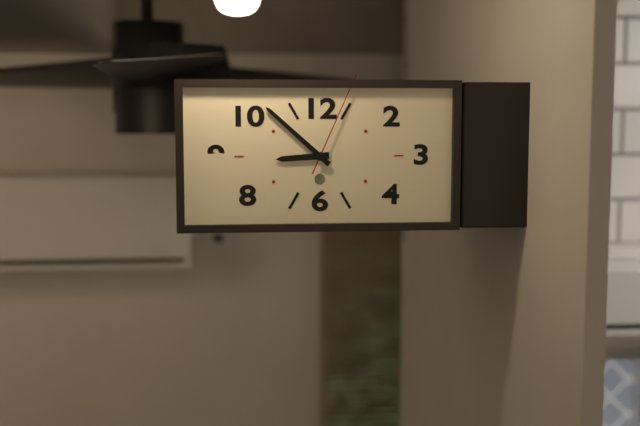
8:52:04
